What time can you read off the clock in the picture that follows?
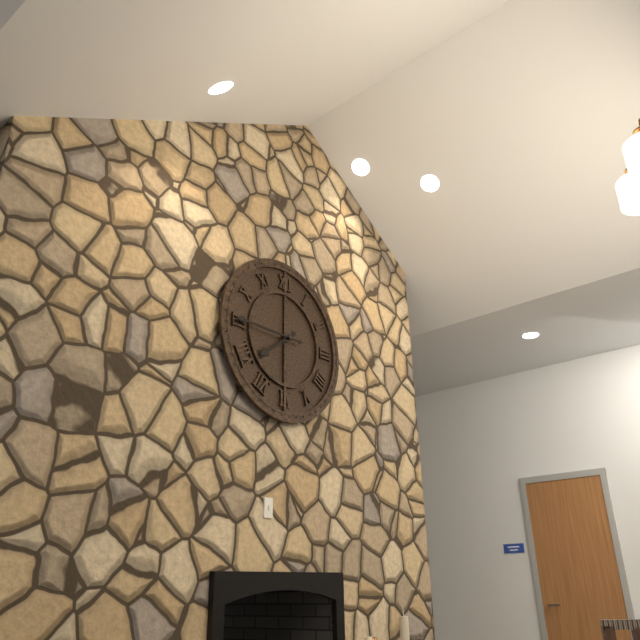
7:45
